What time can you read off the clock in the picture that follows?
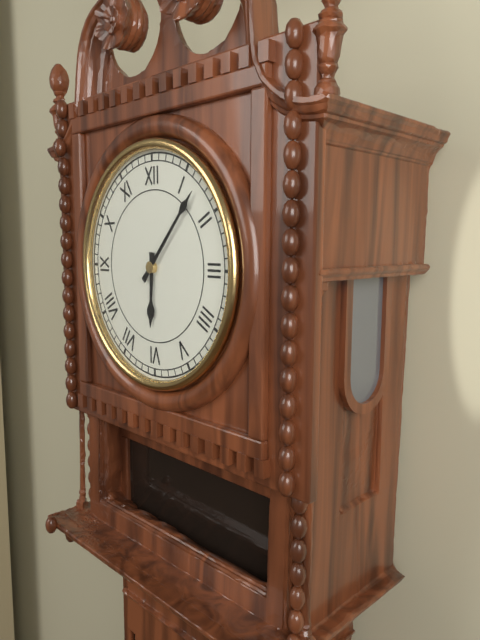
6:07
